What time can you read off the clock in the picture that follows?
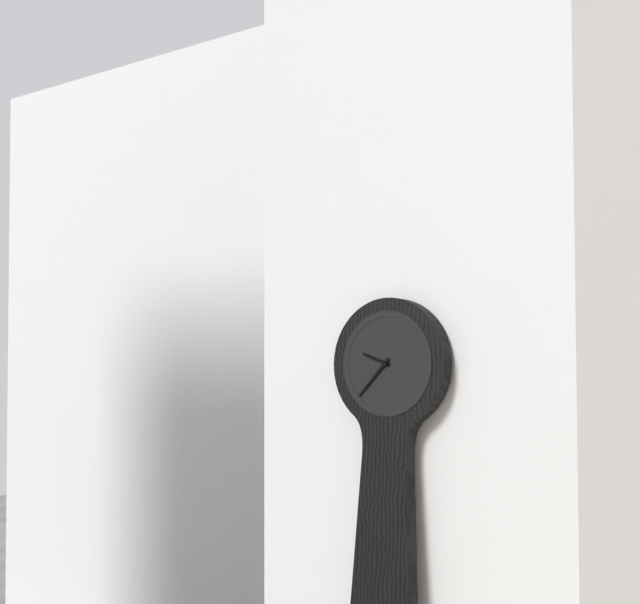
9:37
